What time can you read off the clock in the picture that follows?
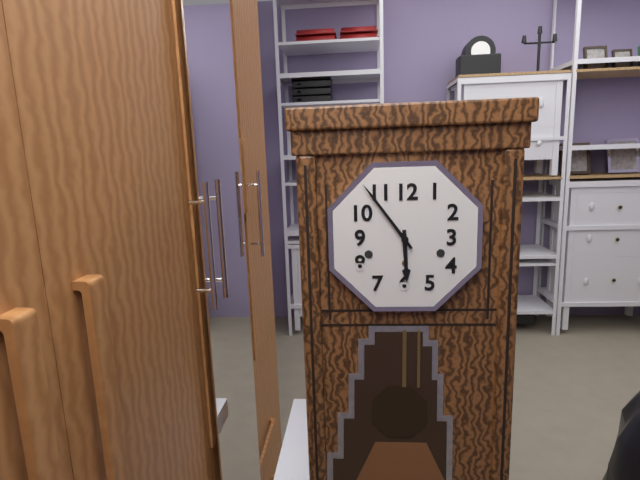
5:54
